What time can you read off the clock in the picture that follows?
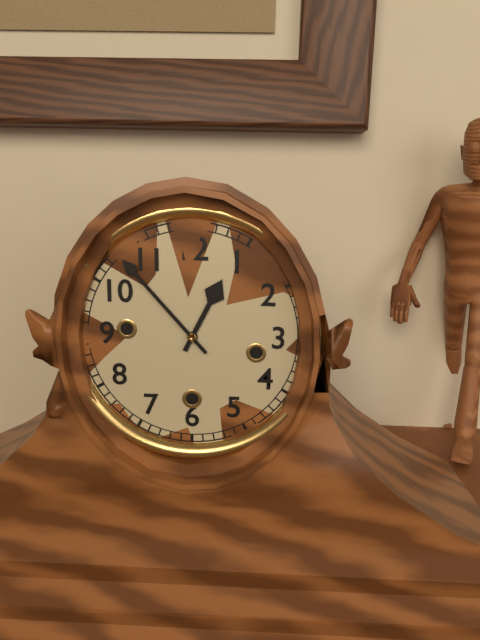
12:53
